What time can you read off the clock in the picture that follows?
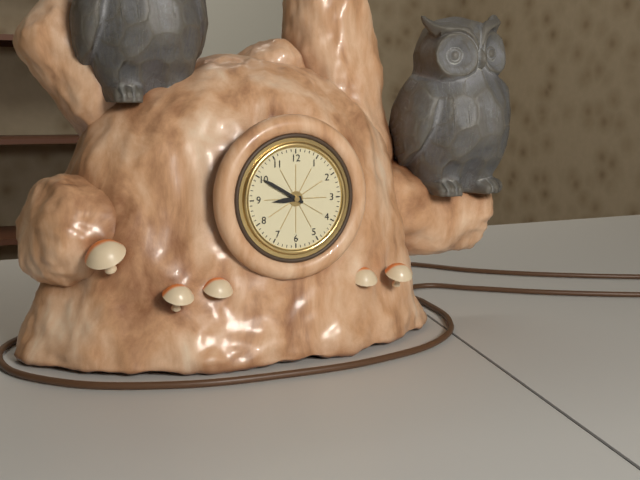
8:50
